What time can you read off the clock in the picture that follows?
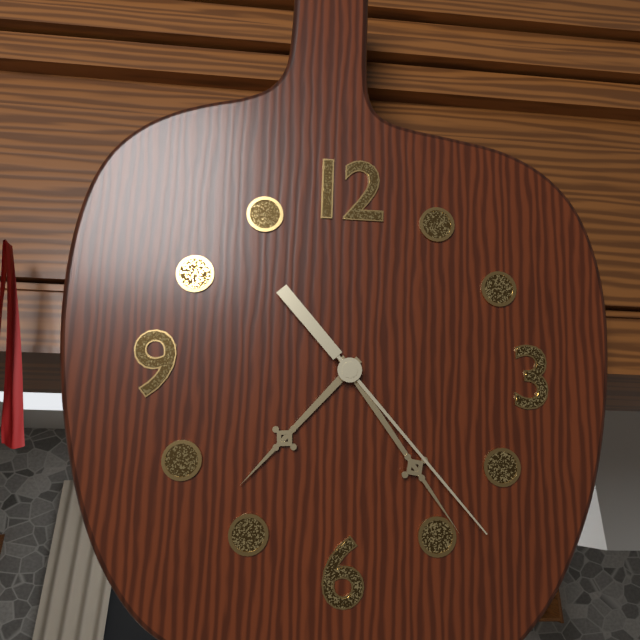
7:24:23
